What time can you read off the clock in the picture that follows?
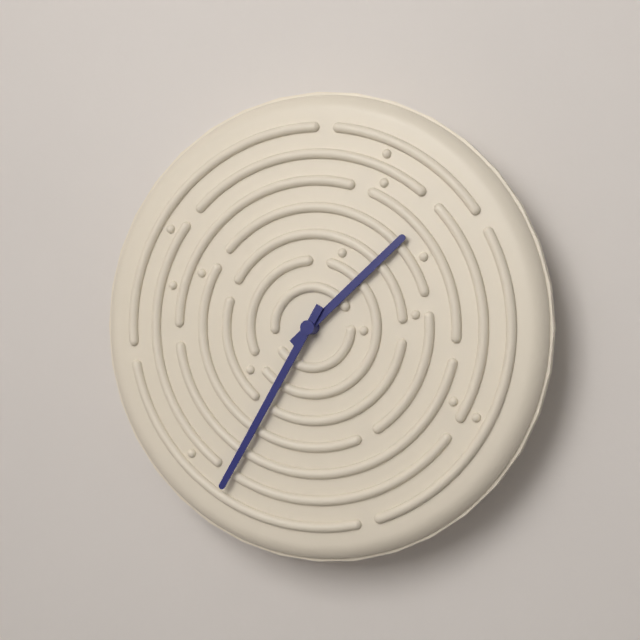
1:35
